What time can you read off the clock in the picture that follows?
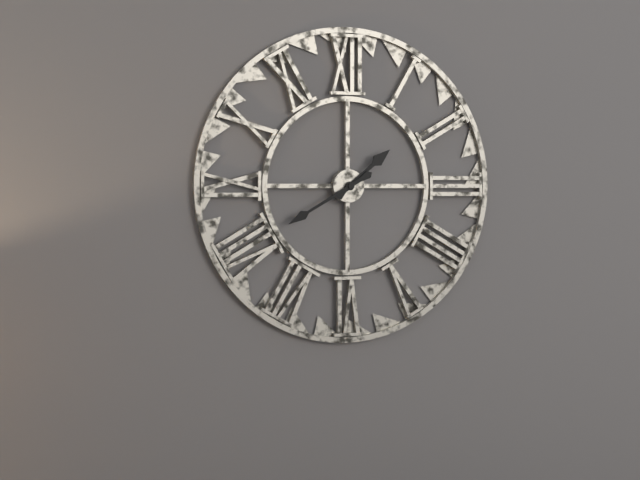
1:40
